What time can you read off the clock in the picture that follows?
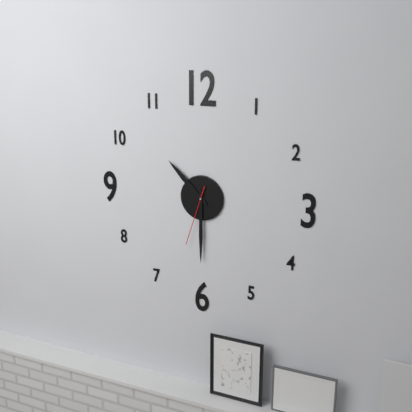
10:30:33
